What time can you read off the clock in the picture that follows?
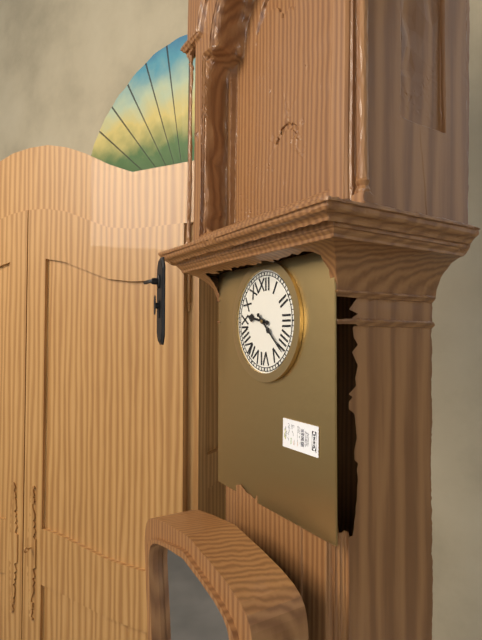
9:22
